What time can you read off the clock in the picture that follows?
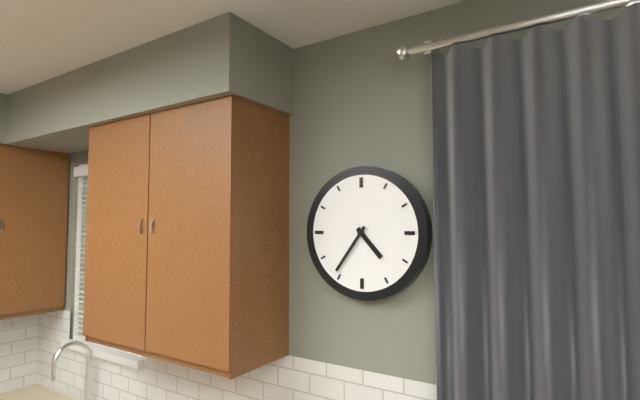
4:36
